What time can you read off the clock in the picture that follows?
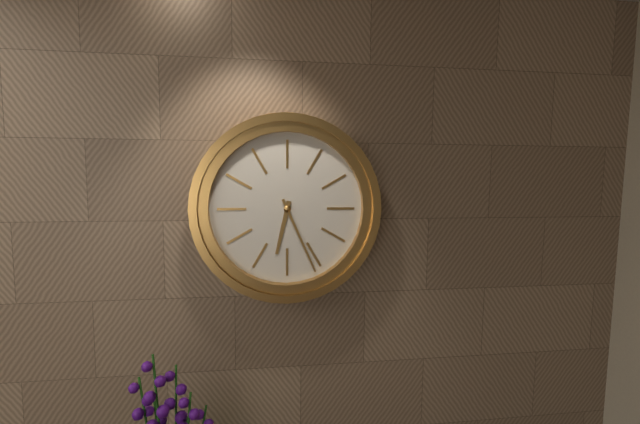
6:26
